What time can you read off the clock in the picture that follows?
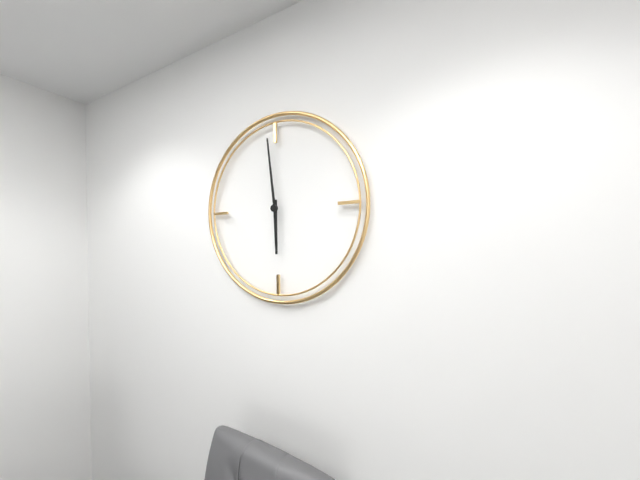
5:59
